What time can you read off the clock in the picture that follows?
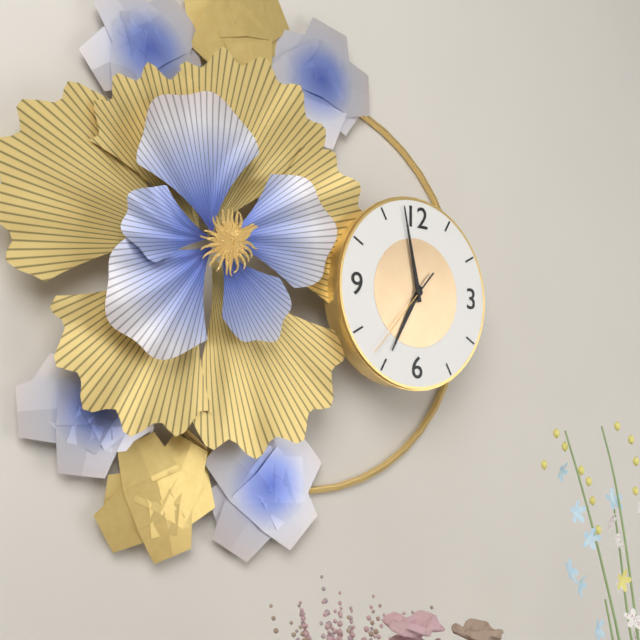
6:58:37
